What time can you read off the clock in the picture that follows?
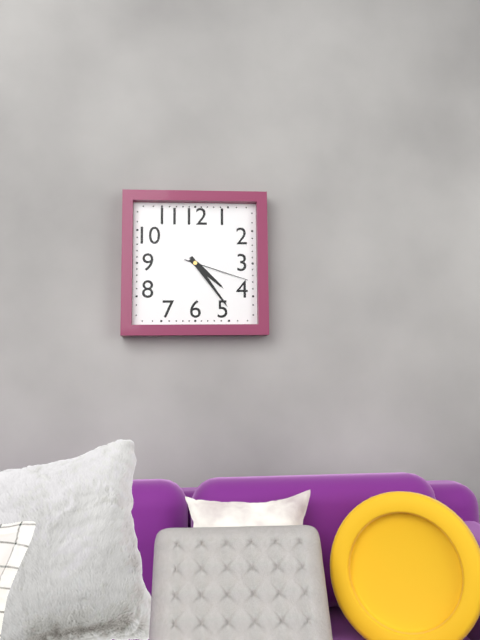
4:24:18
